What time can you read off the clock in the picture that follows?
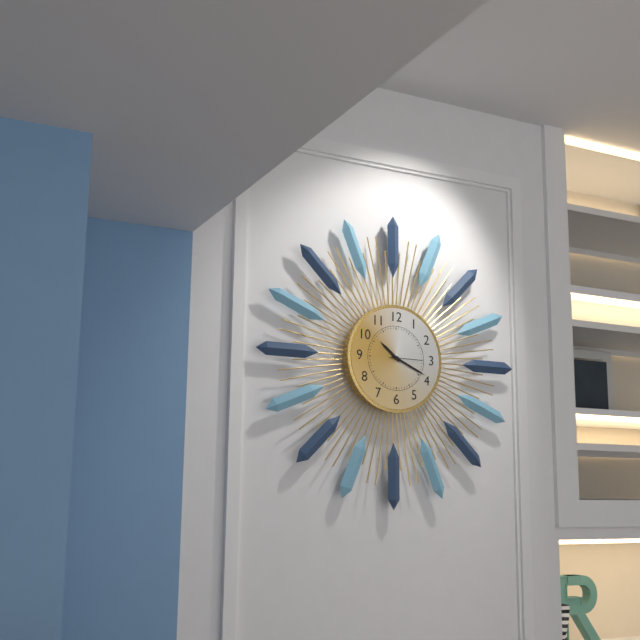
10:19
